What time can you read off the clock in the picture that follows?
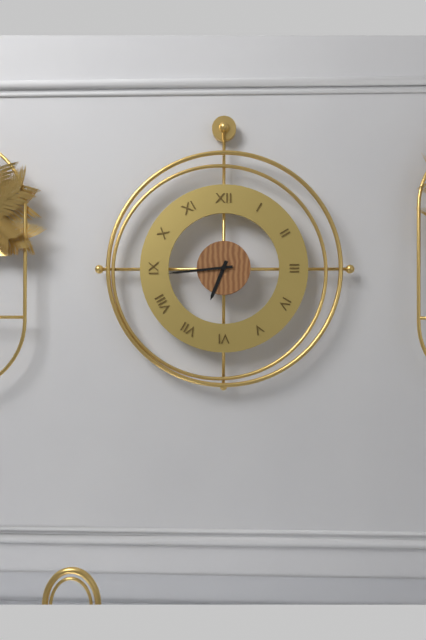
6:44
